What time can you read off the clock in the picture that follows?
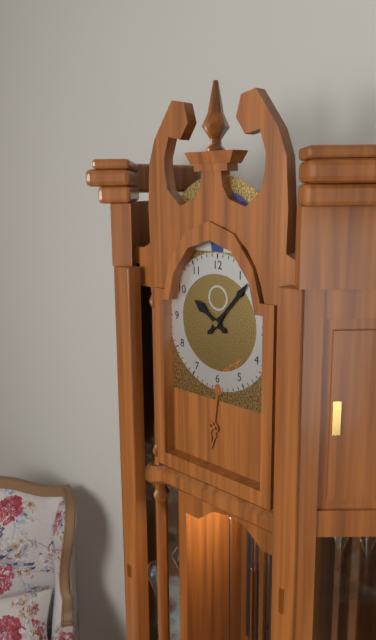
10:07
